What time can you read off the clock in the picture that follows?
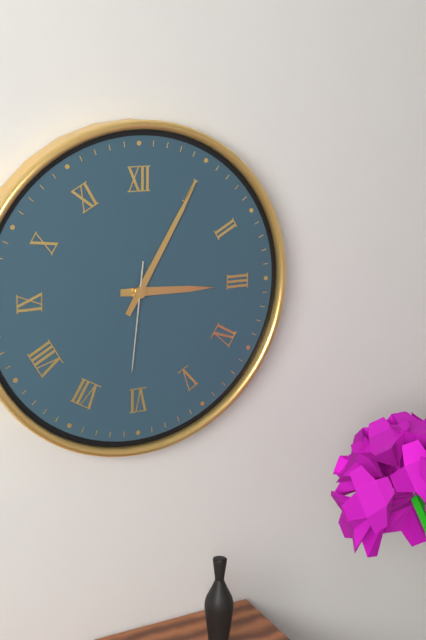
3:05:31
